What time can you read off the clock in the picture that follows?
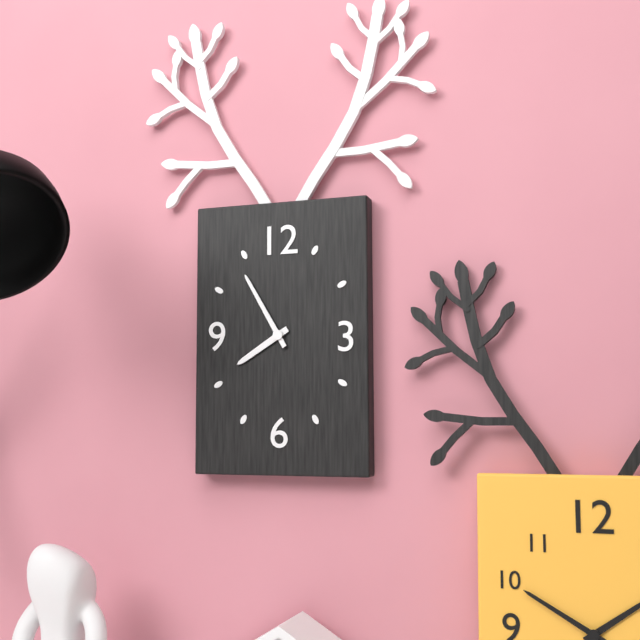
7:55
